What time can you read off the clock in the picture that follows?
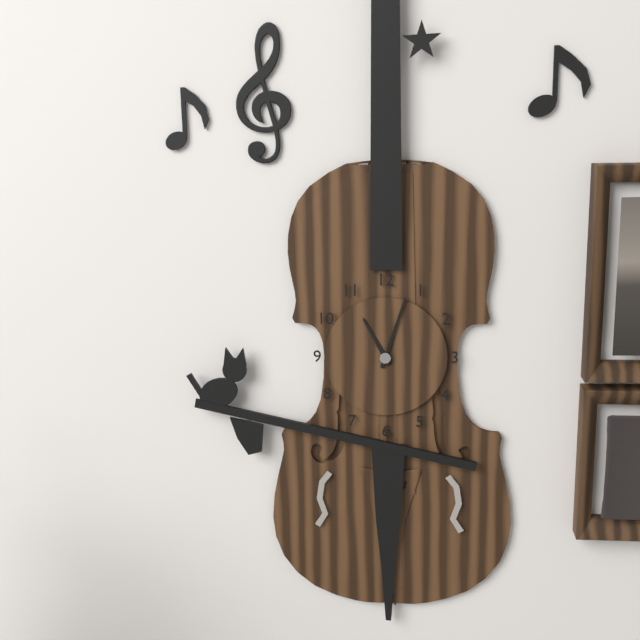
11:03
